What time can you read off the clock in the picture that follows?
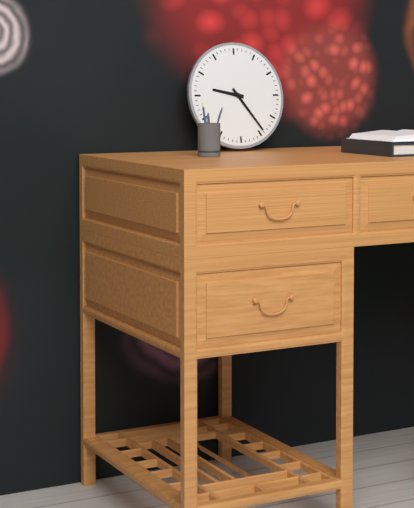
9:24
